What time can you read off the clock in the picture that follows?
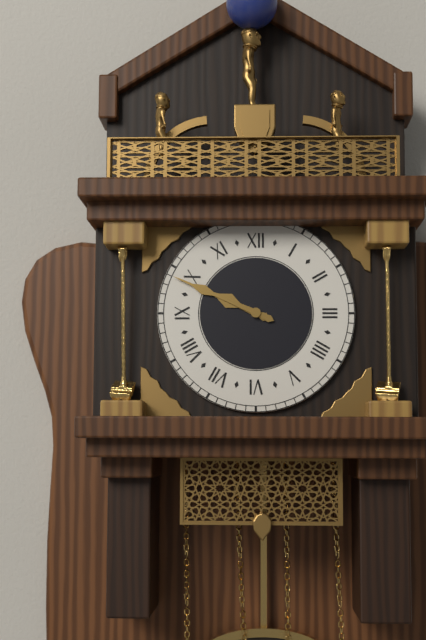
9:49
